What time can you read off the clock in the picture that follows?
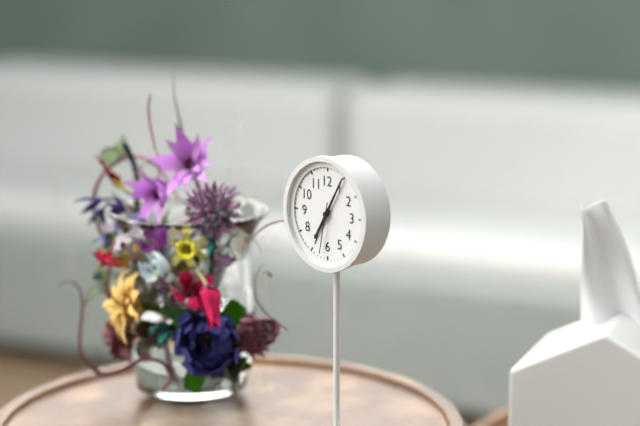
7:05
